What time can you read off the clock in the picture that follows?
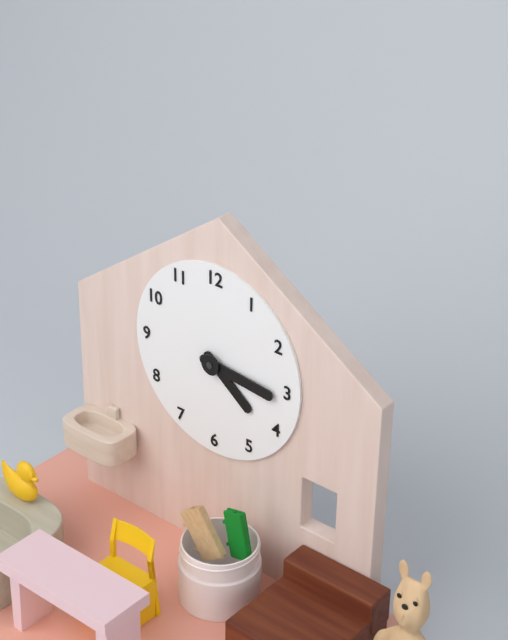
4:16
